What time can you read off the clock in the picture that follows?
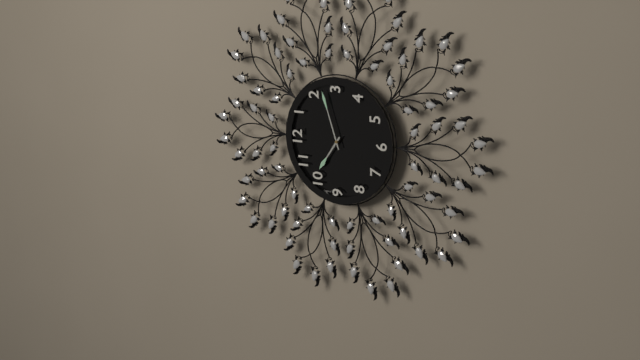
10:12
